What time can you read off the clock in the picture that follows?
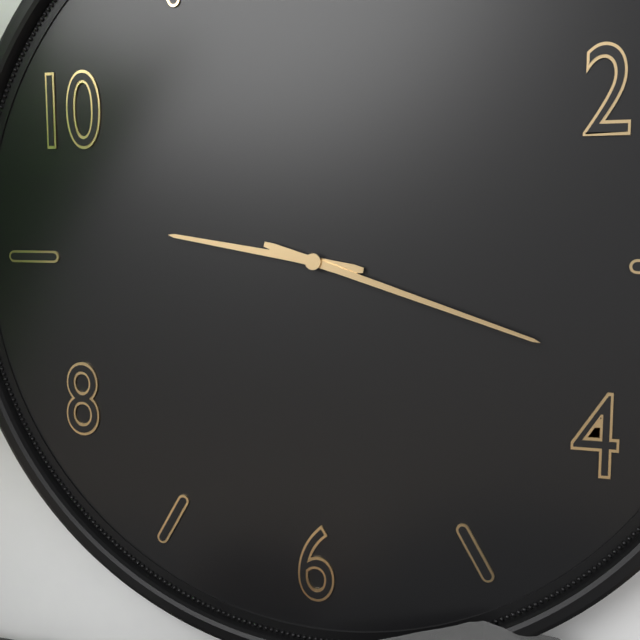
9:18
